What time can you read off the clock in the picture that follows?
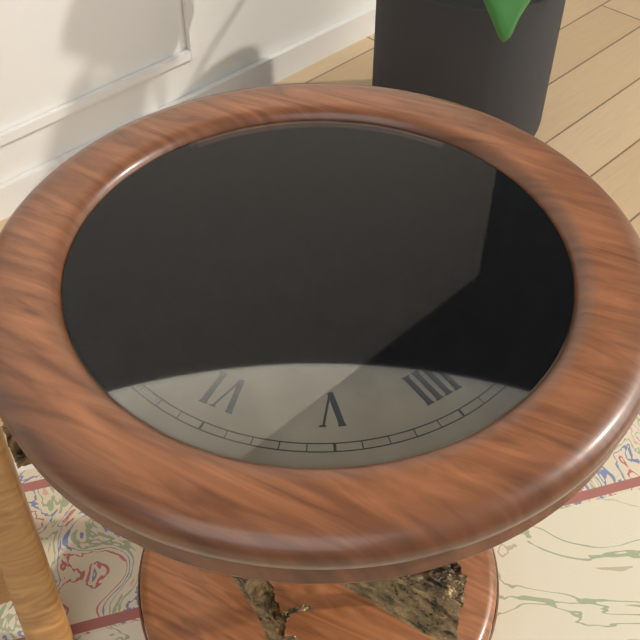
5:51
